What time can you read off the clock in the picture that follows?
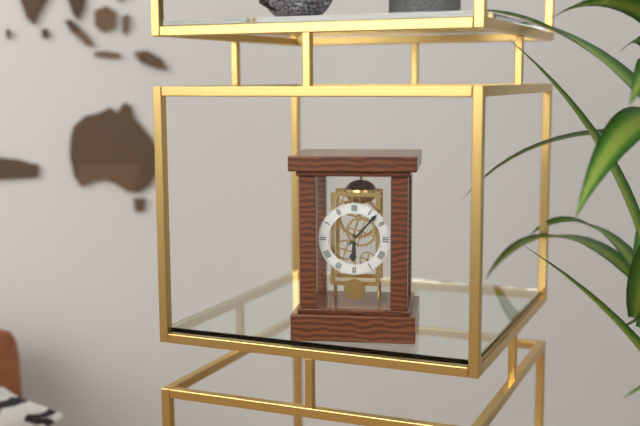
6:07
